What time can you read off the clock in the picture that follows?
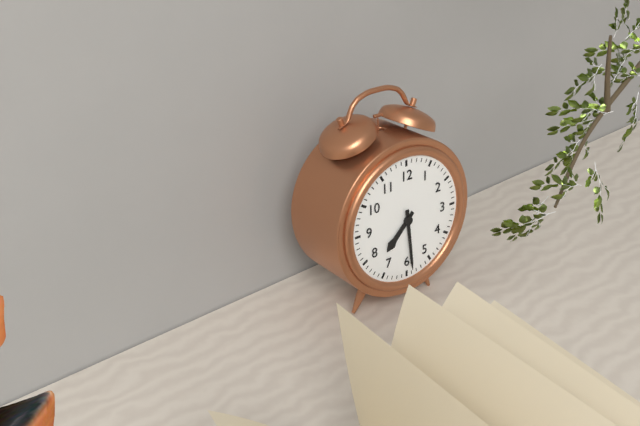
7:29
